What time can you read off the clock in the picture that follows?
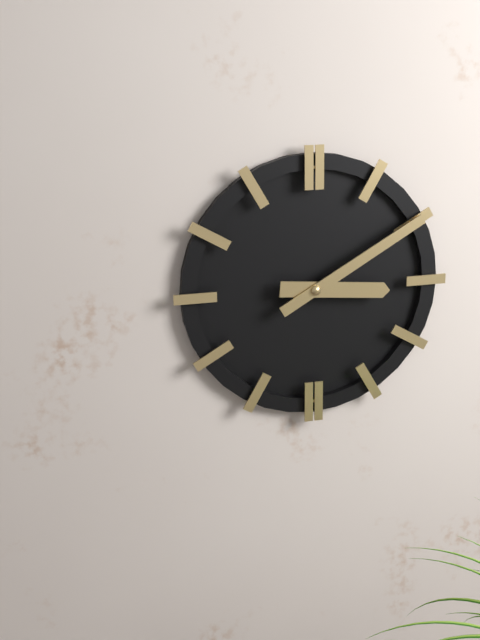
3:10
